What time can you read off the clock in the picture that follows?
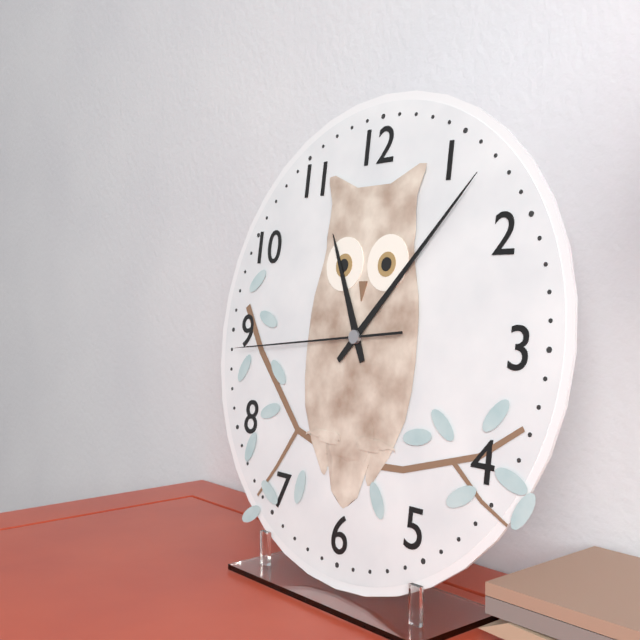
11:07:44
